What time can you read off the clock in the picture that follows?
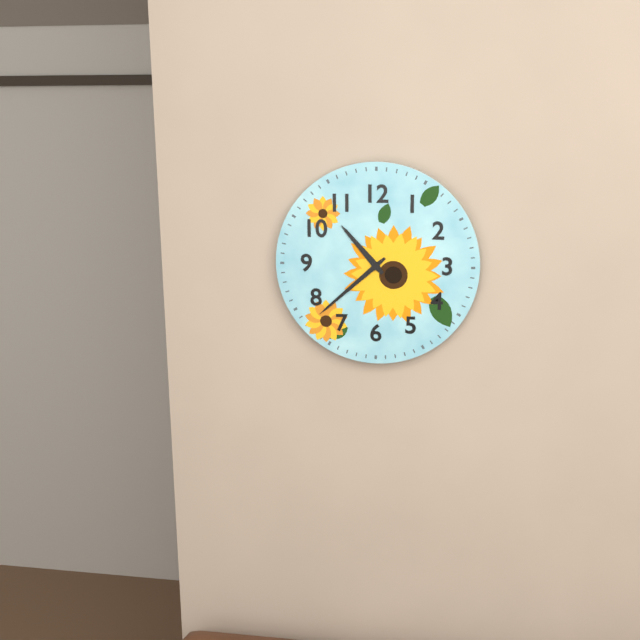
10:38
